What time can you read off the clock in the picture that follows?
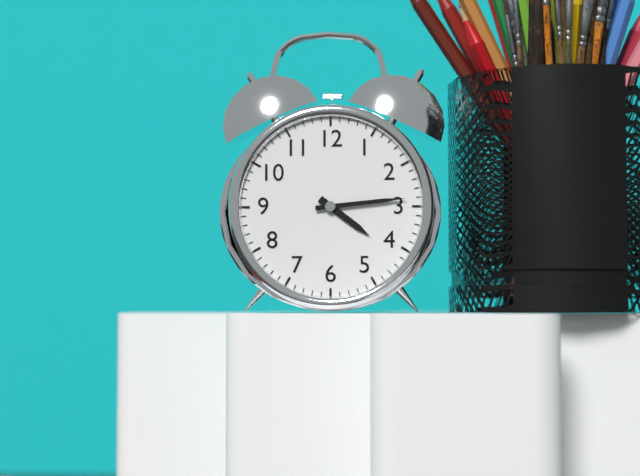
4:14
